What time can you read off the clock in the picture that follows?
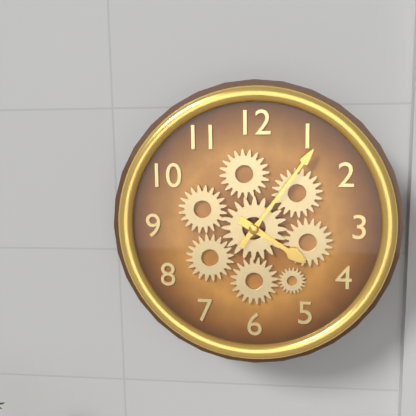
4:06
